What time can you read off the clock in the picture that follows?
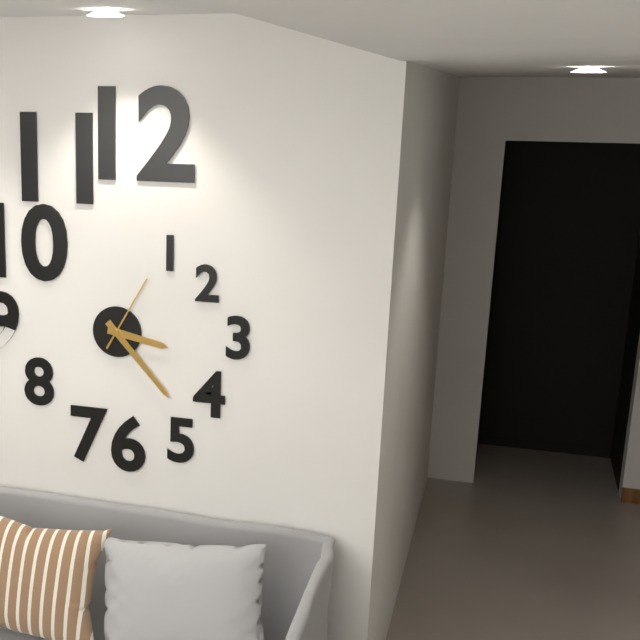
3:23:05
